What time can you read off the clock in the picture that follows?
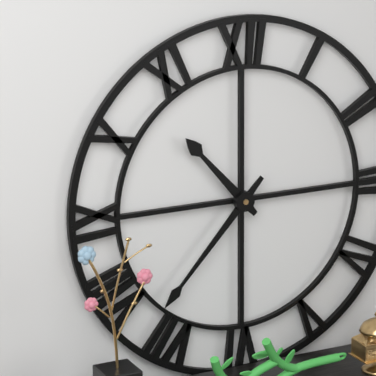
10:37
